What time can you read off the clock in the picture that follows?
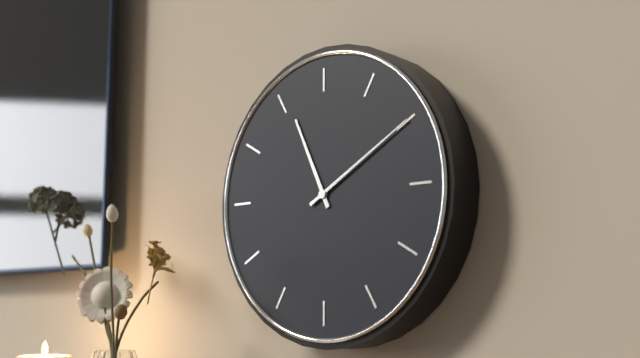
11:10
